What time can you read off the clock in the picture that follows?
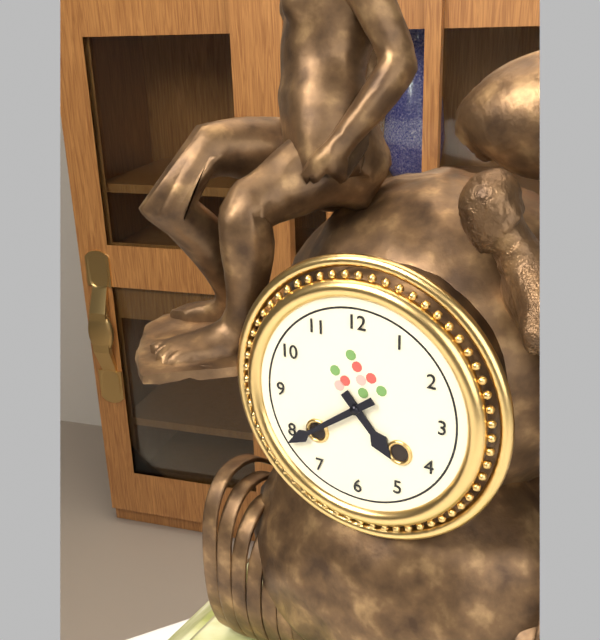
4:39
